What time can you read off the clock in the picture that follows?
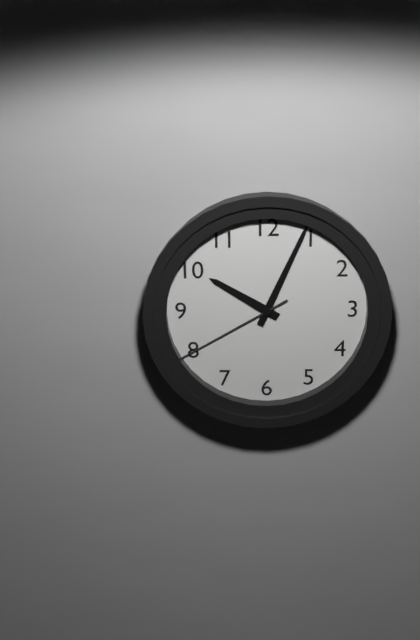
10:04:40
